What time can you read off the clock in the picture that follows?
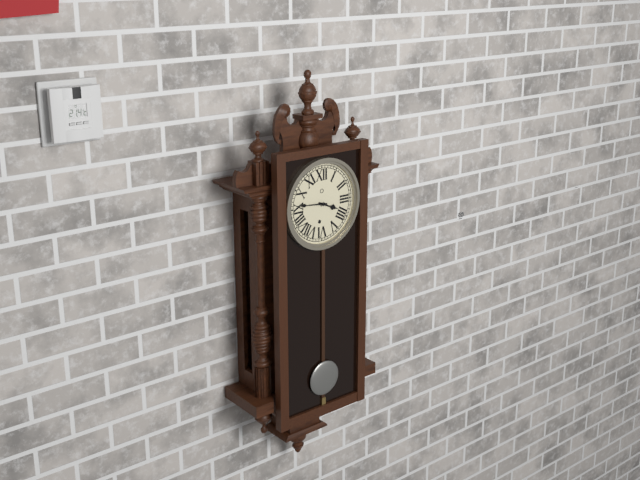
3:46
